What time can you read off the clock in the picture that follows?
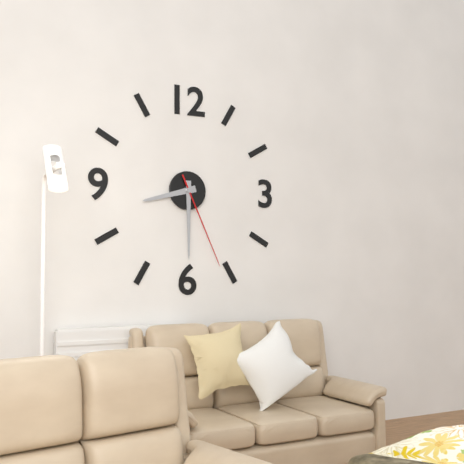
8:30:26
